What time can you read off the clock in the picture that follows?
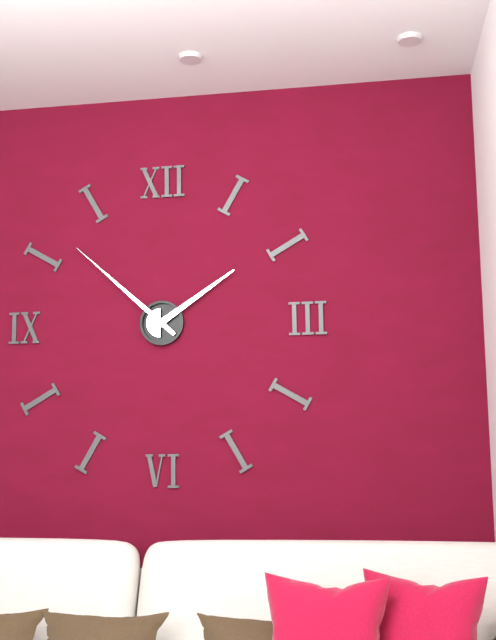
1:52
